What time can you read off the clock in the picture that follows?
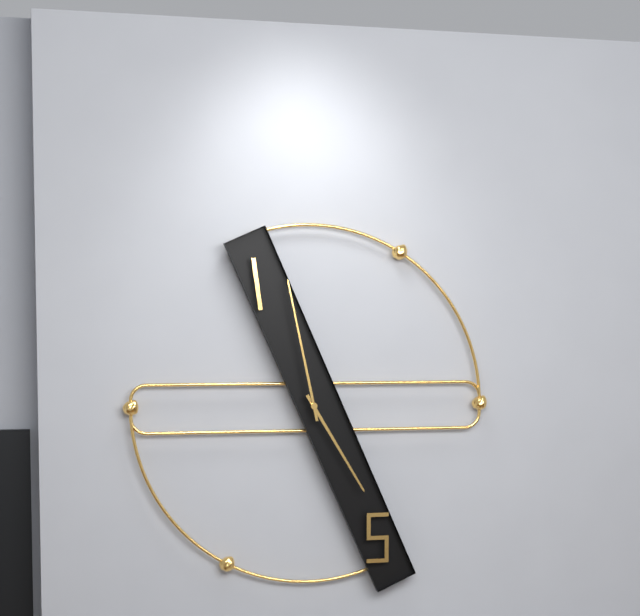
4:58
